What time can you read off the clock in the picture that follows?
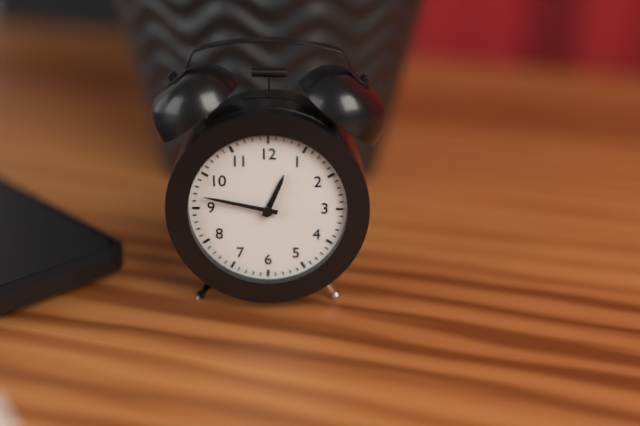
12:47
